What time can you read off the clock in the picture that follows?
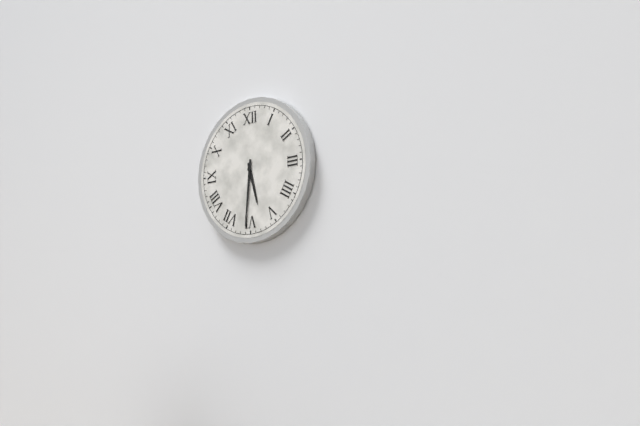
5:31
